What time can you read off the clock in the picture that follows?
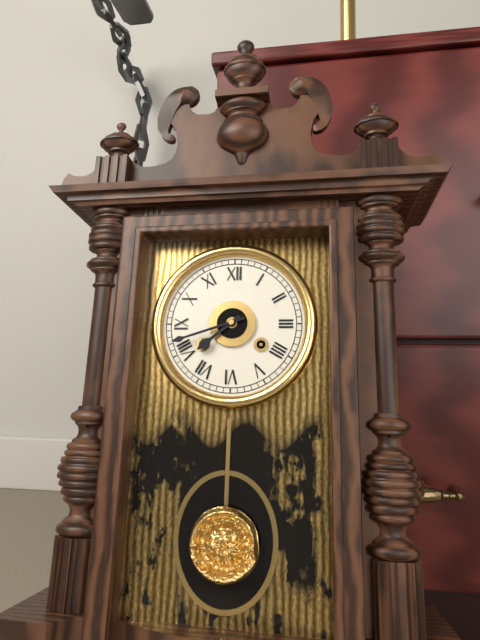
7:42
